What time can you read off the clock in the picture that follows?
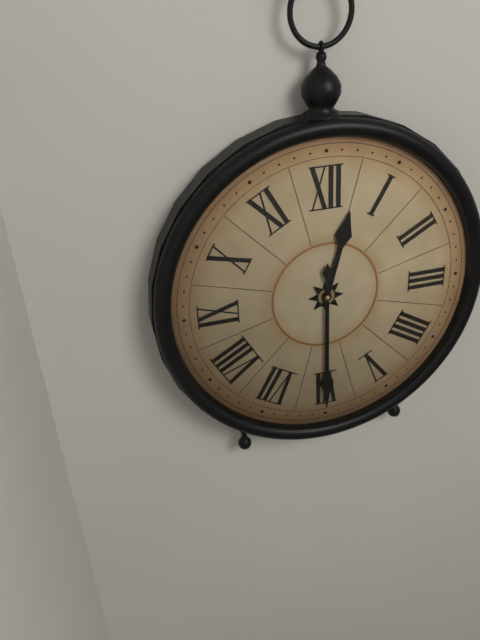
12:30
